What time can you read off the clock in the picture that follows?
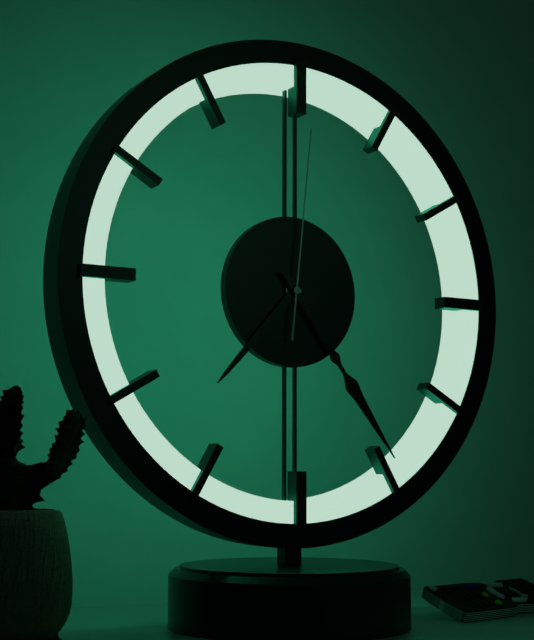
7:24:01
